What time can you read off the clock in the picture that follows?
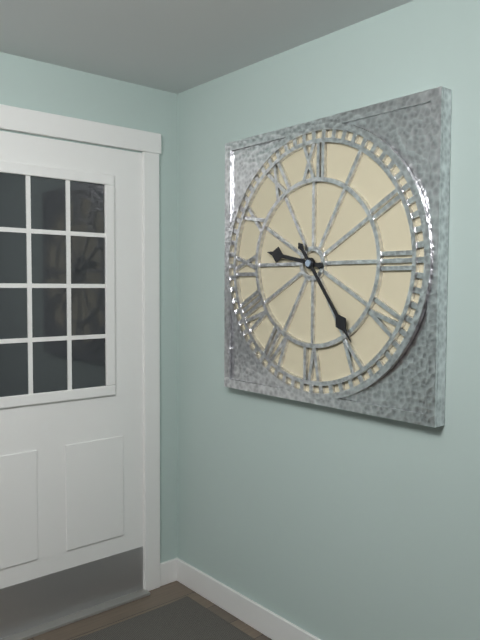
9:24
